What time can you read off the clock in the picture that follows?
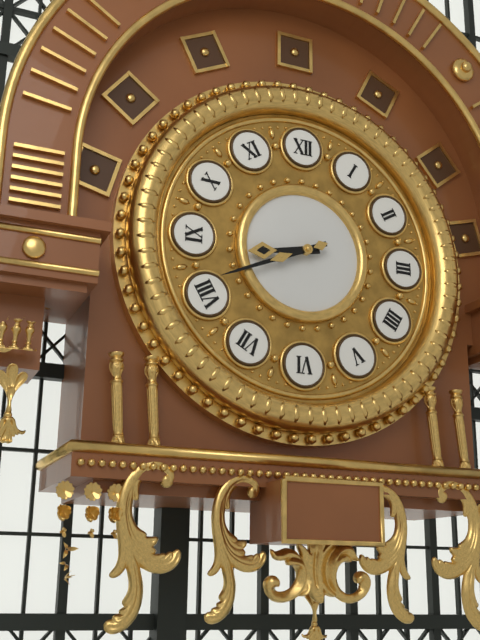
8:41
